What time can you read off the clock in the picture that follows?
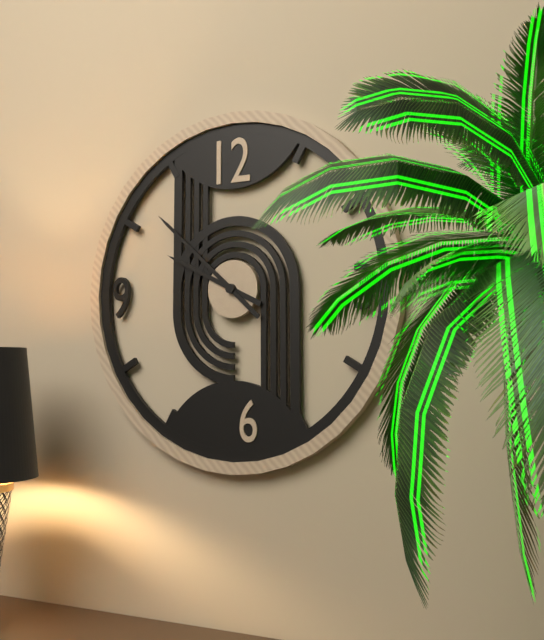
9:52
